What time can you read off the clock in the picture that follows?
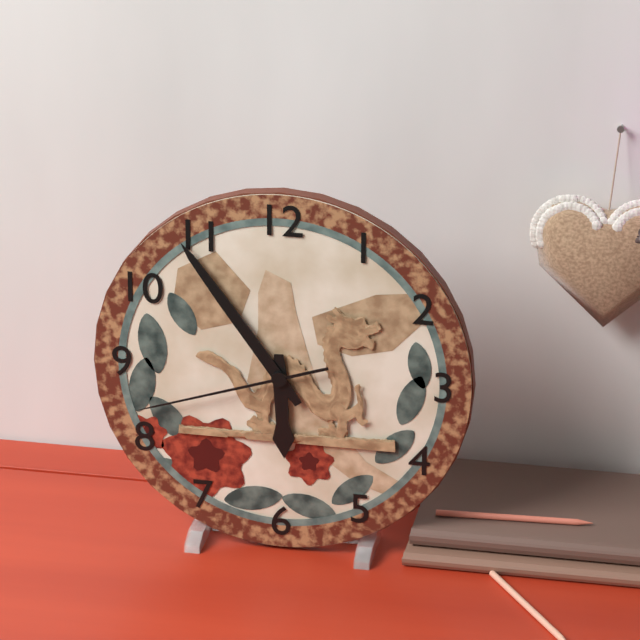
5:54:42
